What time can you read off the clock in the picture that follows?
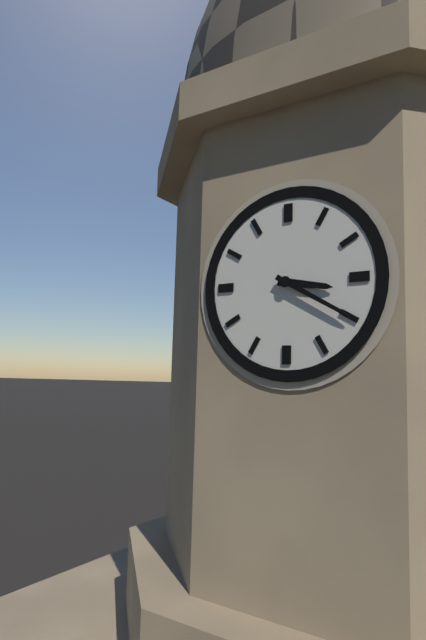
3:20
